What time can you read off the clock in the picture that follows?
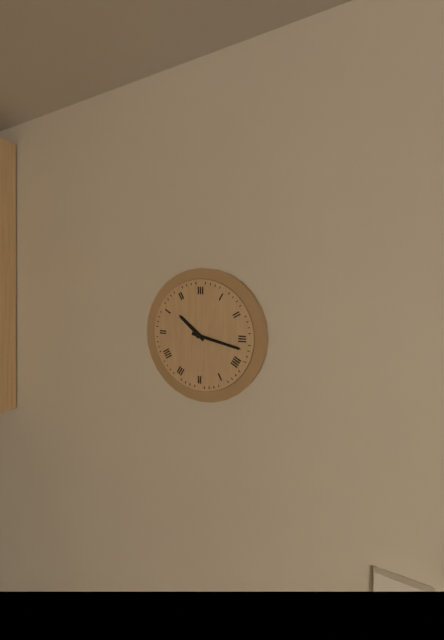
10:17
